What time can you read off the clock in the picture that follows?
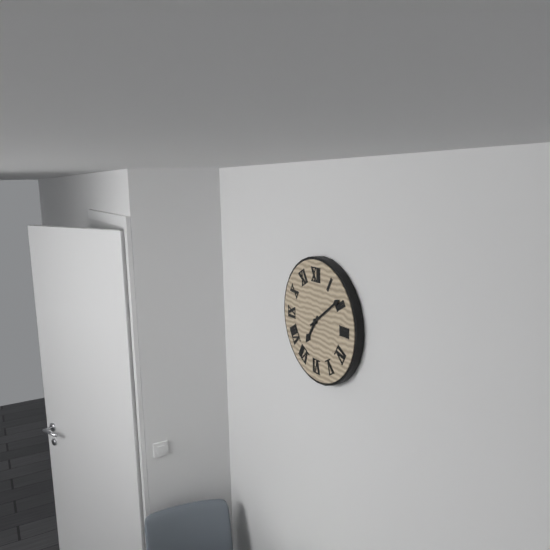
7:09
